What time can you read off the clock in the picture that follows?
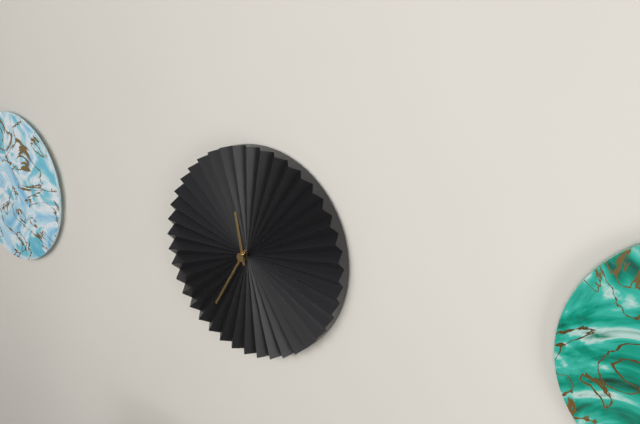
11:35
